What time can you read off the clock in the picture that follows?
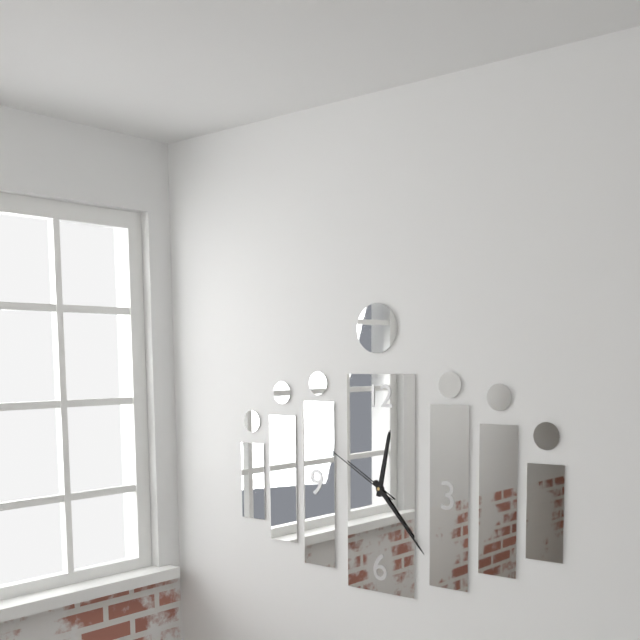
12:23:50
